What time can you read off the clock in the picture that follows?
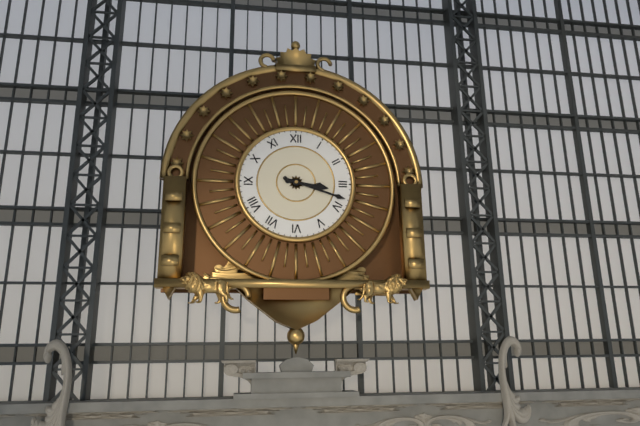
3:18
